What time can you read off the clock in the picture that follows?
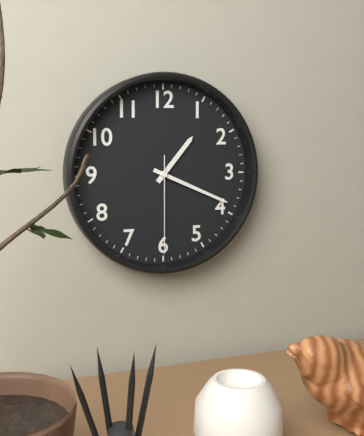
1:19:30
